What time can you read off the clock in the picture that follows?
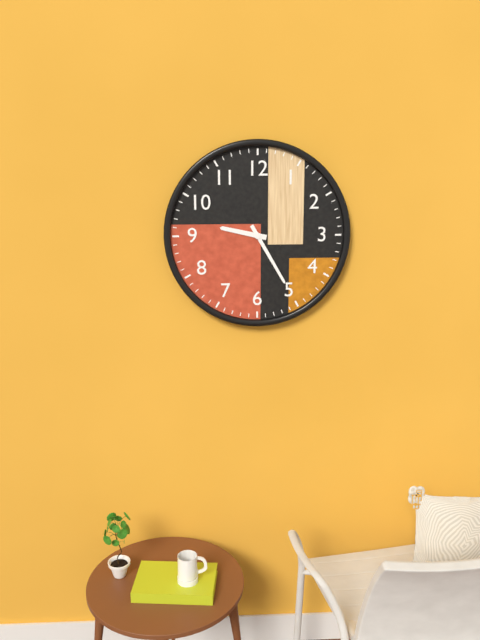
9:25
